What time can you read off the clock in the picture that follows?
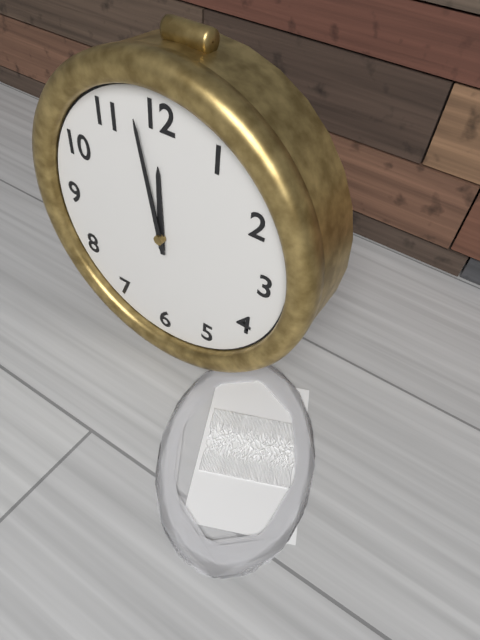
11:58
